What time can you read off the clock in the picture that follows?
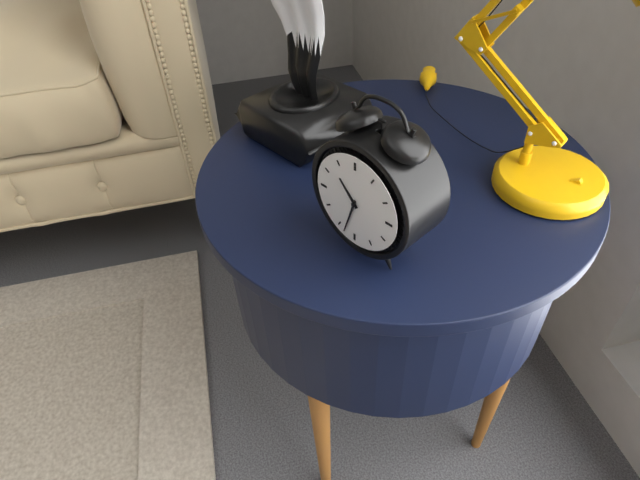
10:33
